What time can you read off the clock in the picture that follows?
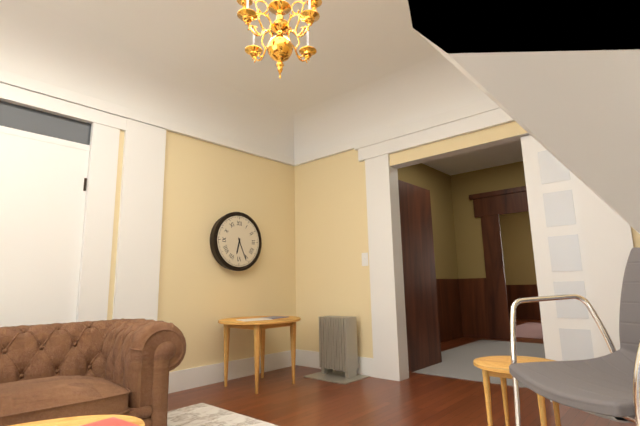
6:26
